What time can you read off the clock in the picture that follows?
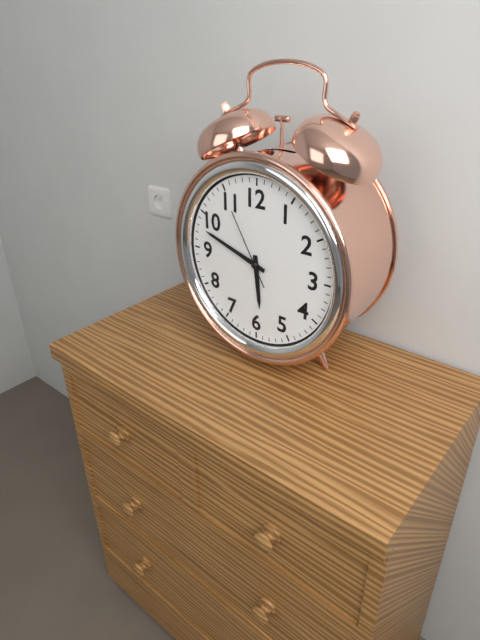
5:48:55
